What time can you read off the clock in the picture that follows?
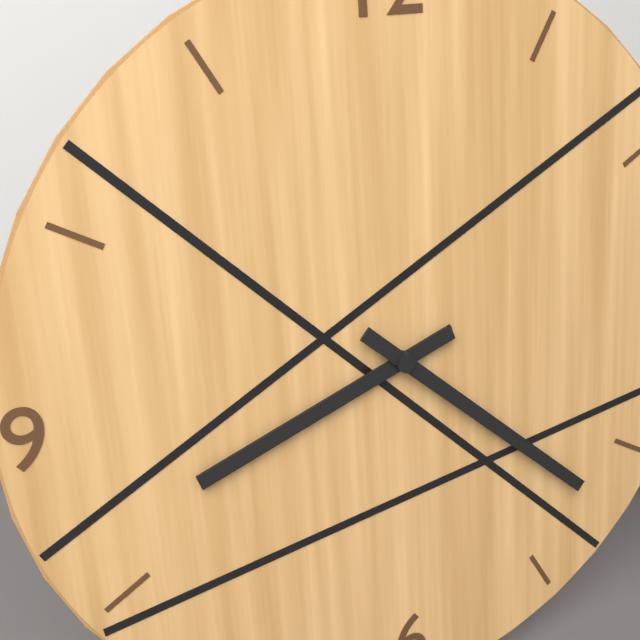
8:22
